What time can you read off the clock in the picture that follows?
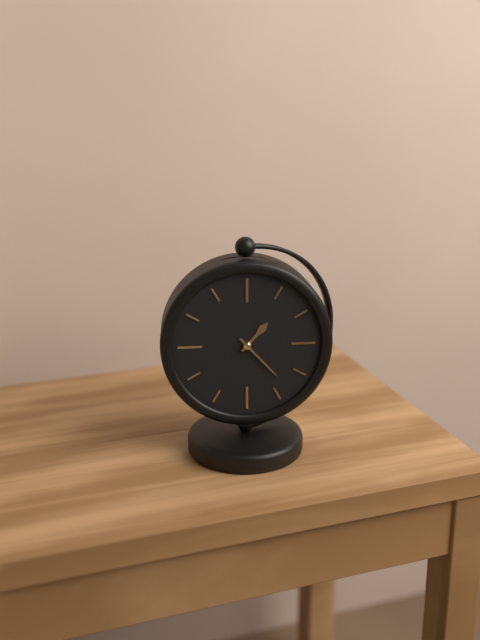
1:23
